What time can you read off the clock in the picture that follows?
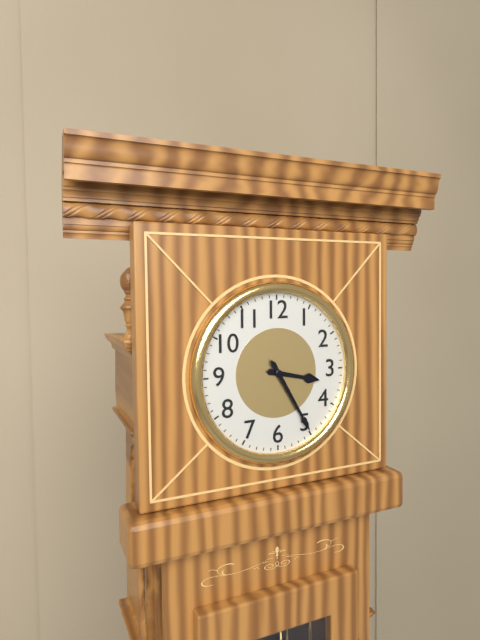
3:25
